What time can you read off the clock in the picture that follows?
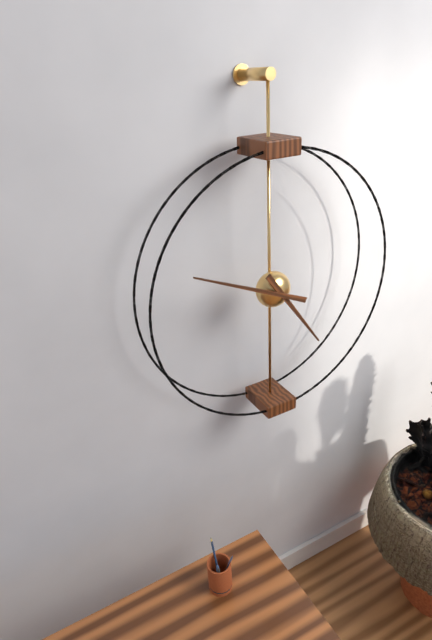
4:49
